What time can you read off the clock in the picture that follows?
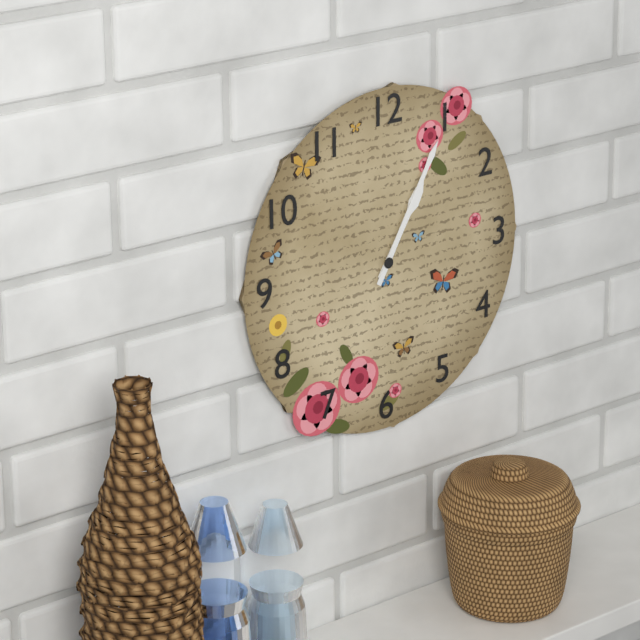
1:05
